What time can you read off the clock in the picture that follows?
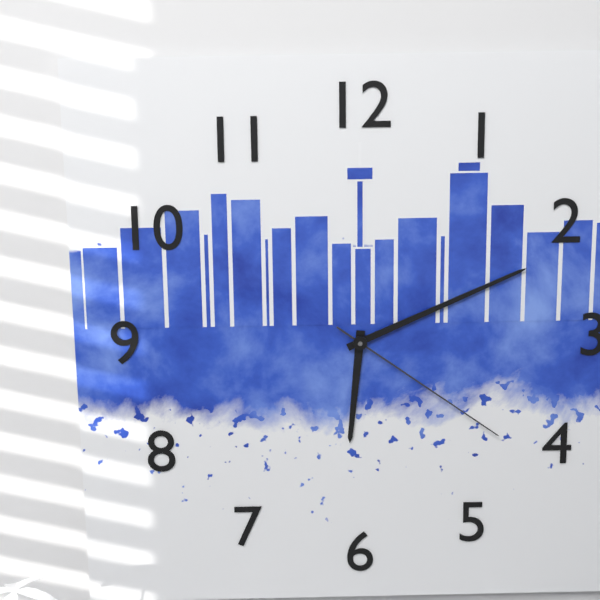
6:11:21
